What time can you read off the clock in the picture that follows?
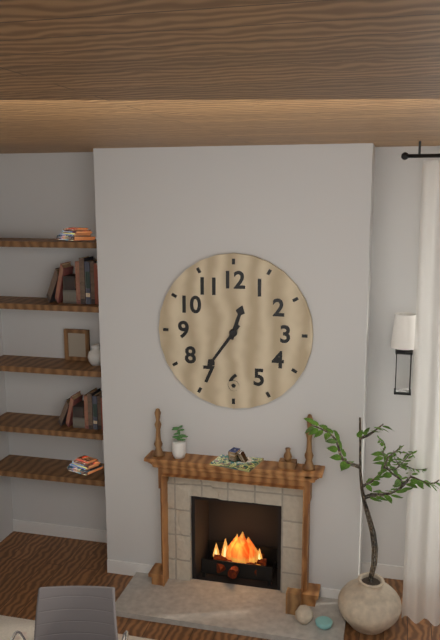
12:36
